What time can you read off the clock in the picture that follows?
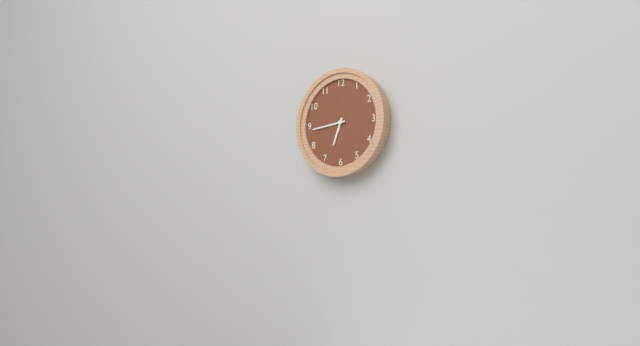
6:44
